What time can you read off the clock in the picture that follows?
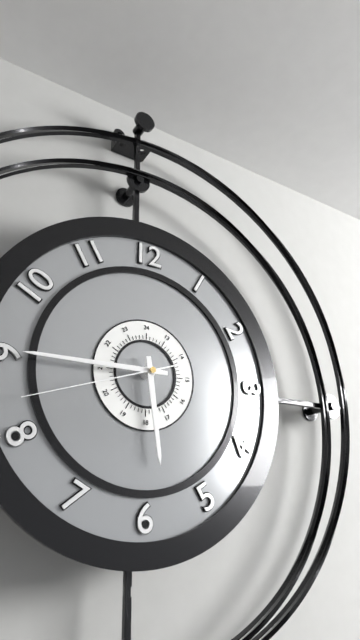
5:45:42
